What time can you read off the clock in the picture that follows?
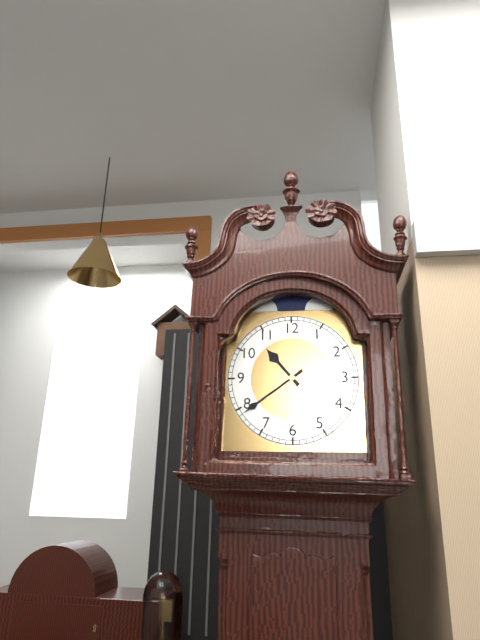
10:39
